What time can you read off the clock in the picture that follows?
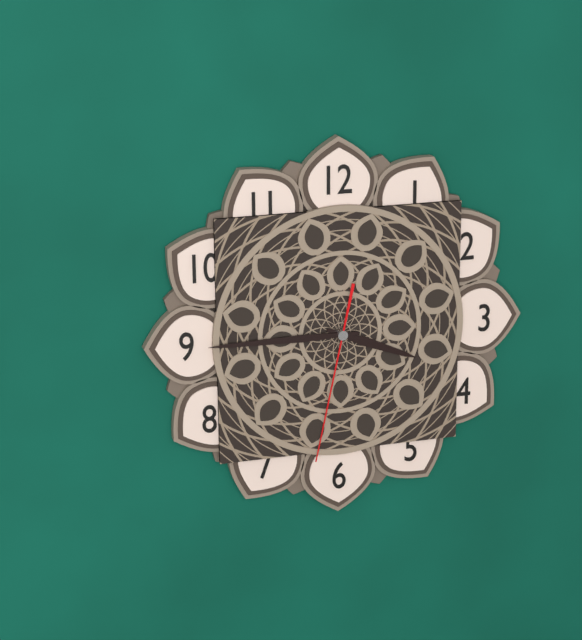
3:45:32
